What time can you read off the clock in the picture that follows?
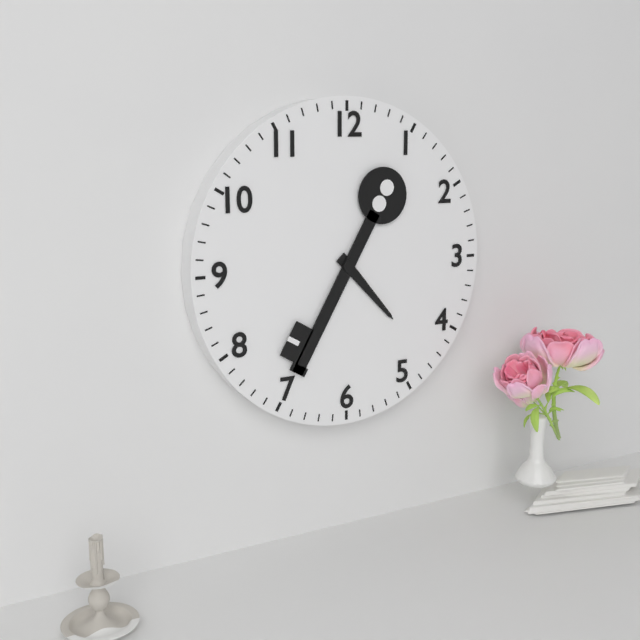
4:35
